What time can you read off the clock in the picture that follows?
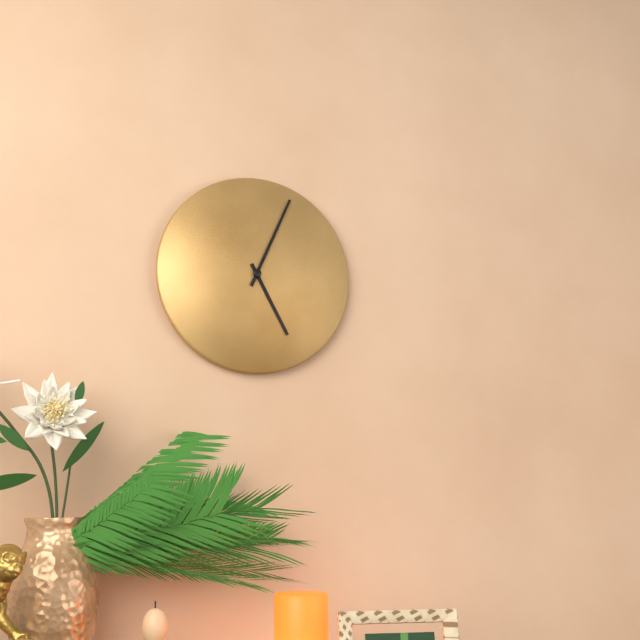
5:04
